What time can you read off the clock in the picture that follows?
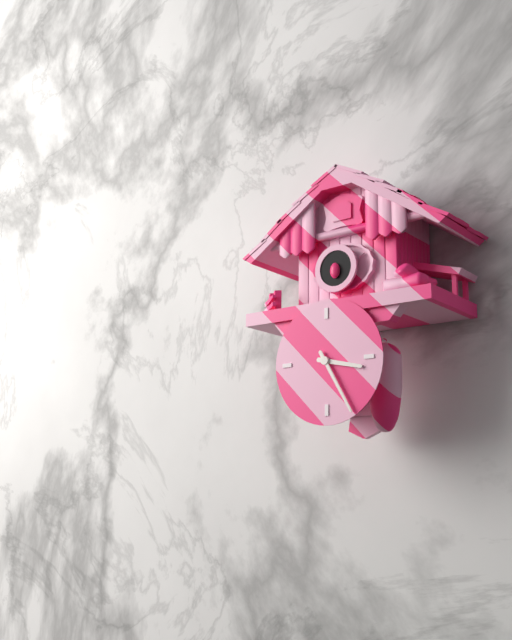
3:25
